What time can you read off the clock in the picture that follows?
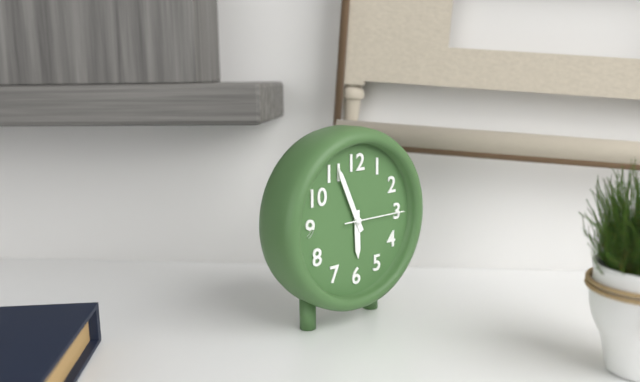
5:56:15
